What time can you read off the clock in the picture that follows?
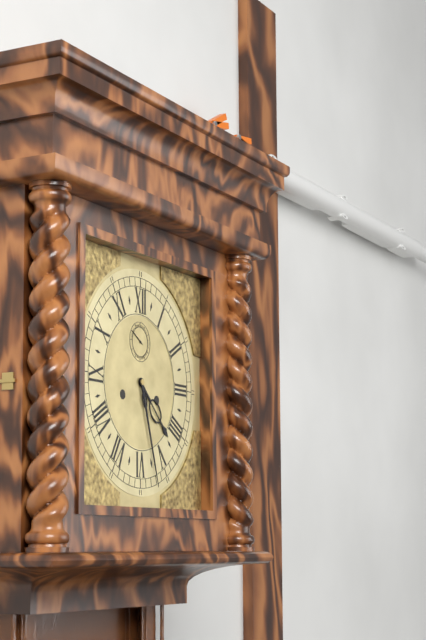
4:27
